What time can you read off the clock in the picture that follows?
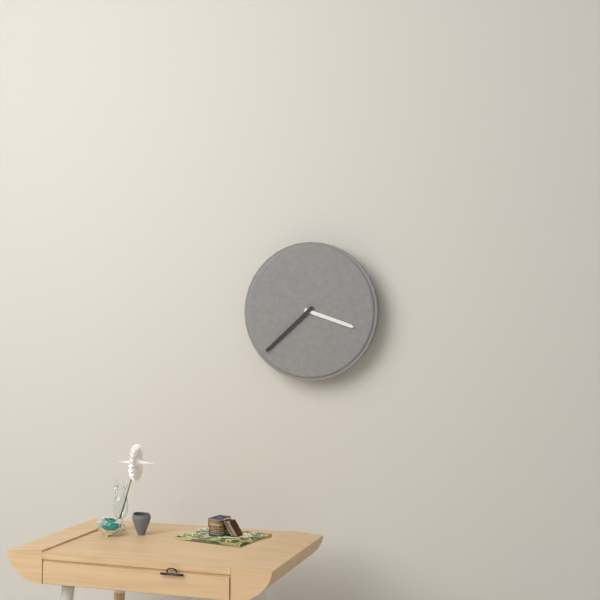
3:38
